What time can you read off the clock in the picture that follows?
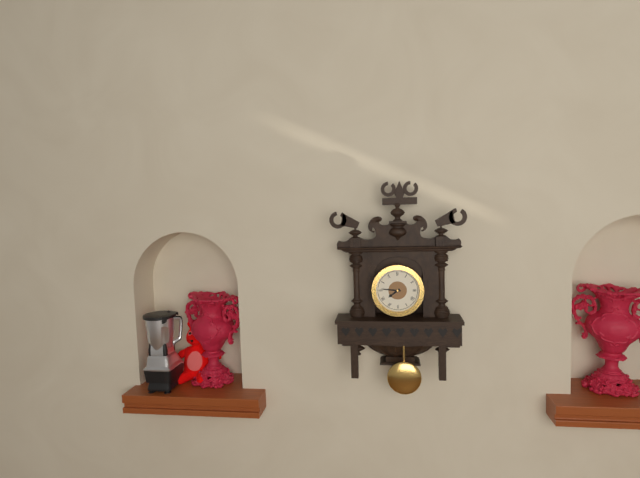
7:46
